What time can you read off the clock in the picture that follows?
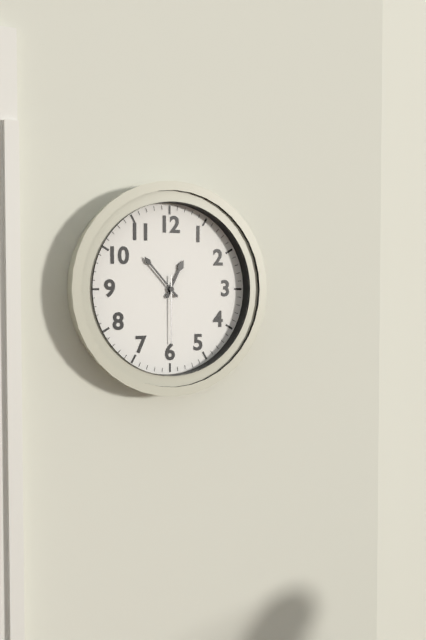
12:53:30
